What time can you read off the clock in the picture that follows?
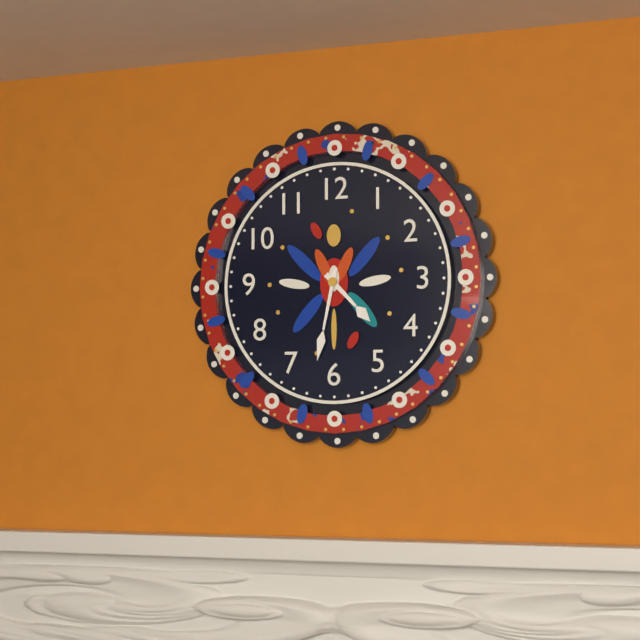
4:32
